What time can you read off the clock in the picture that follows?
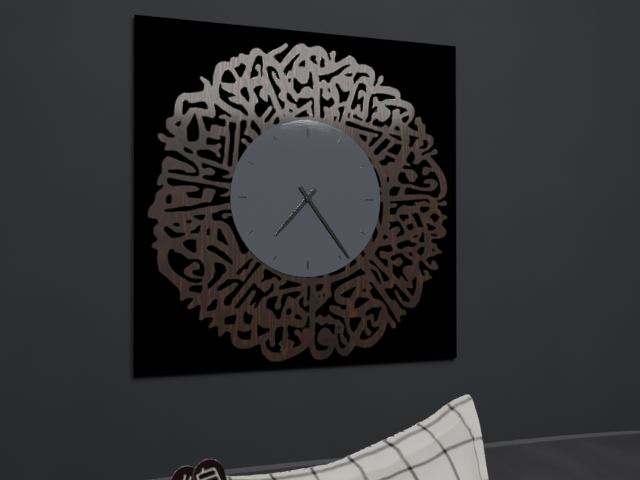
7:24
